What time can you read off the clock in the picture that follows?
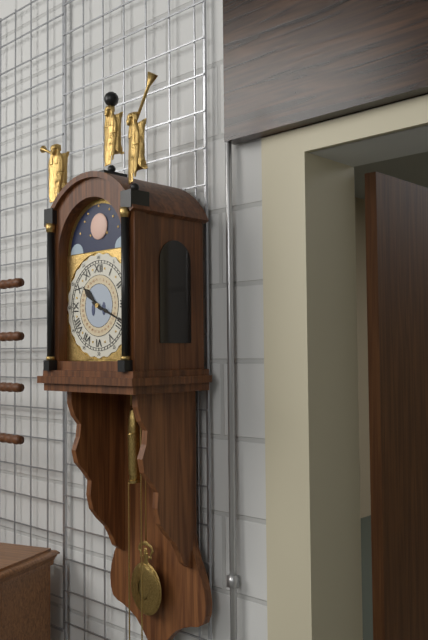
10:19
